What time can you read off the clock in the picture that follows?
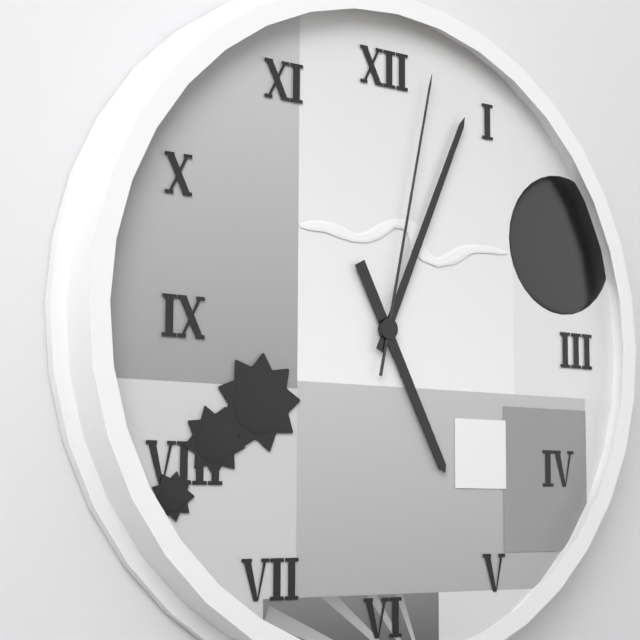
5:04:02
